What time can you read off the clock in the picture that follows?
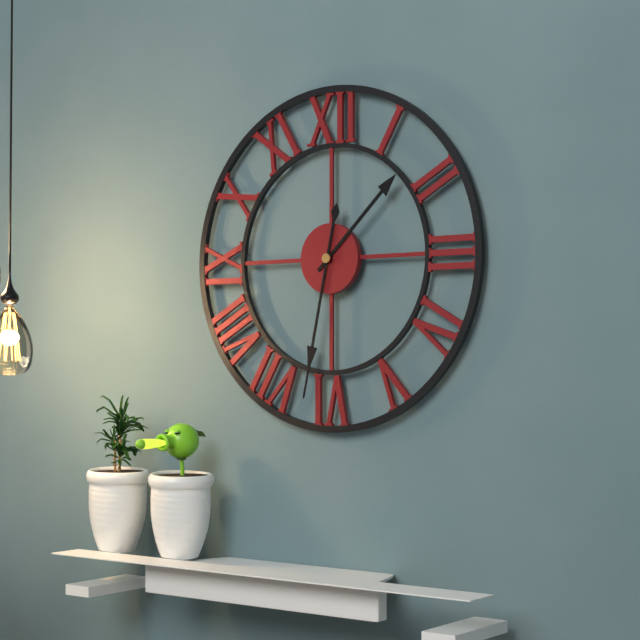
1:32
